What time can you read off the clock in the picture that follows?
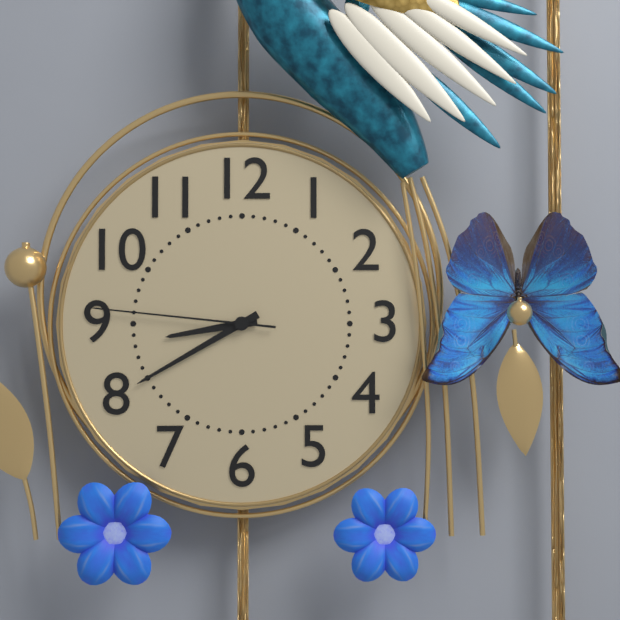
8:40:46
